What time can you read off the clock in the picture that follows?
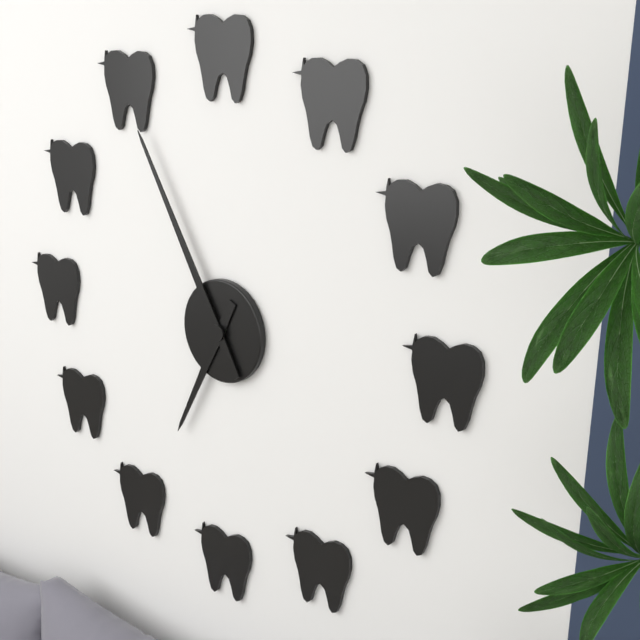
6:55
